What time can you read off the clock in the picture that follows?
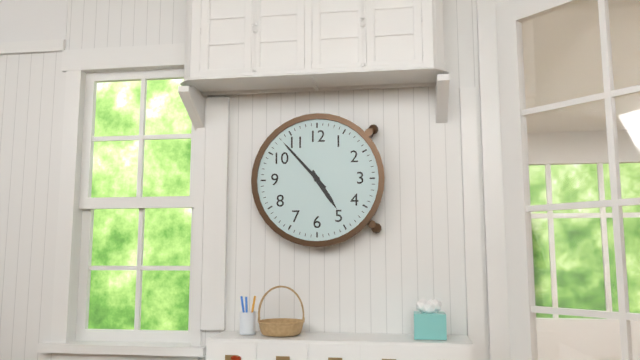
4:53
